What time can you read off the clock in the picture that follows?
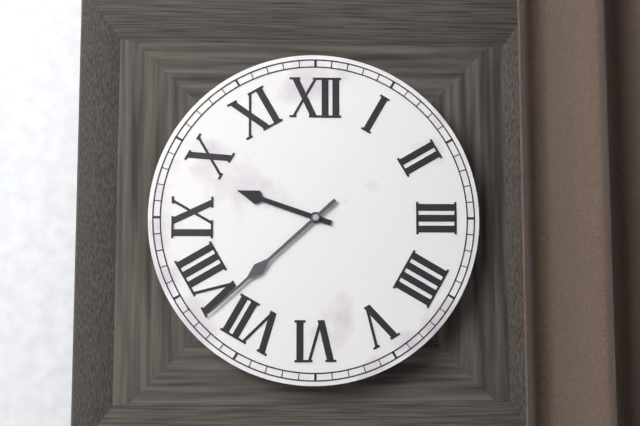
9:38
